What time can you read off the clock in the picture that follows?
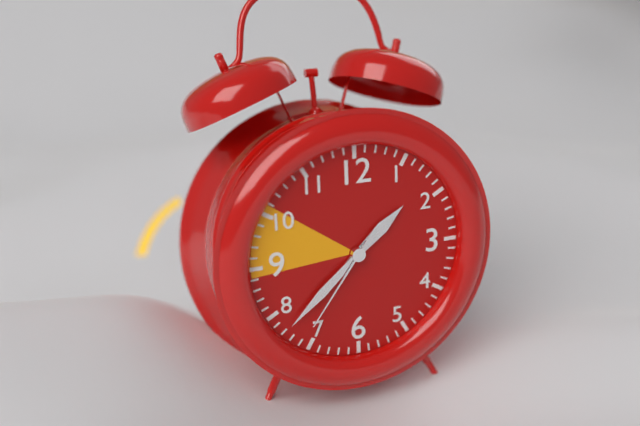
1:38:36
